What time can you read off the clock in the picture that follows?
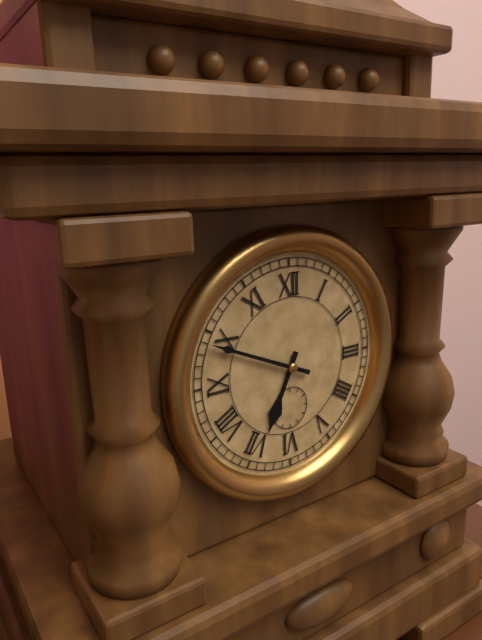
6:49
